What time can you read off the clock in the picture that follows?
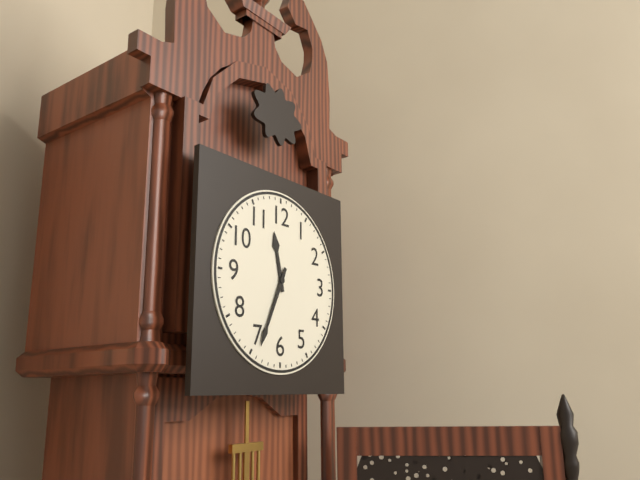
11:34
